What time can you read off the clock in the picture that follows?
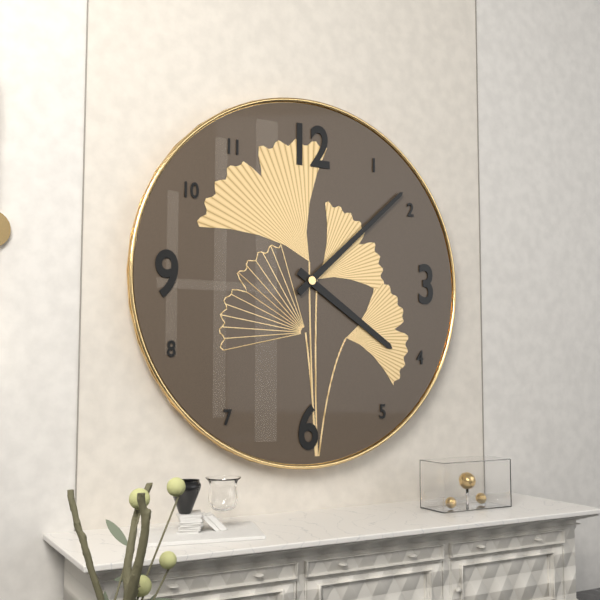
4:08
